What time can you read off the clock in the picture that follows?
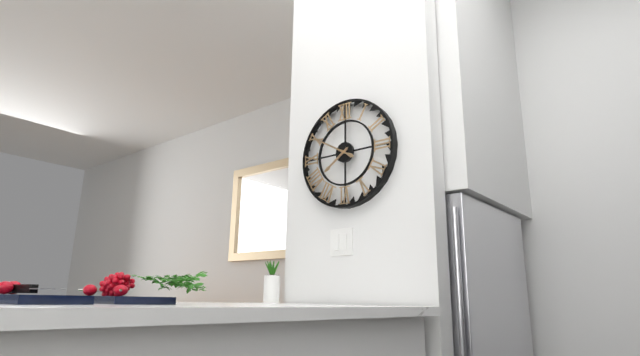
7:50
